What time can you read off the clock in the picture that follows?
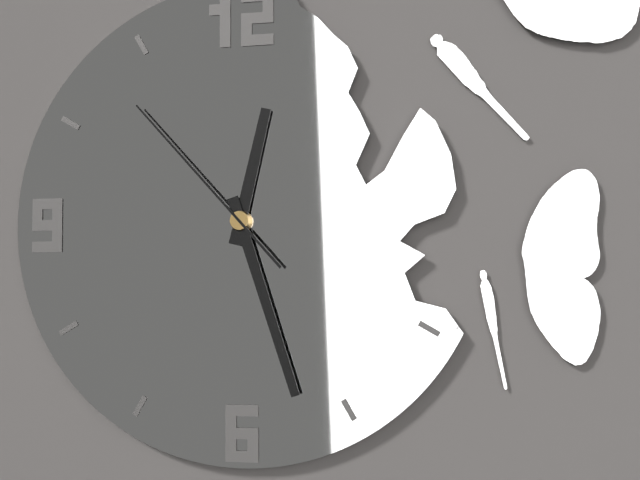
12:27:53
